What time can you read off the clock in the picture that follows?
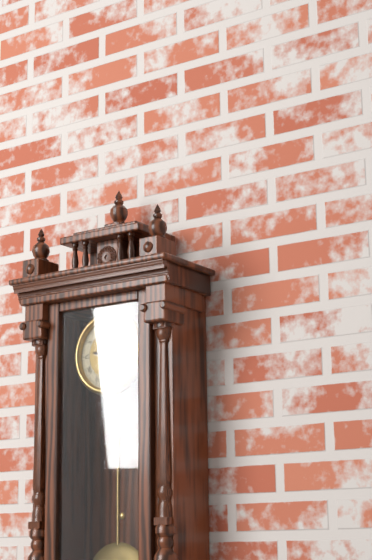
9:15
